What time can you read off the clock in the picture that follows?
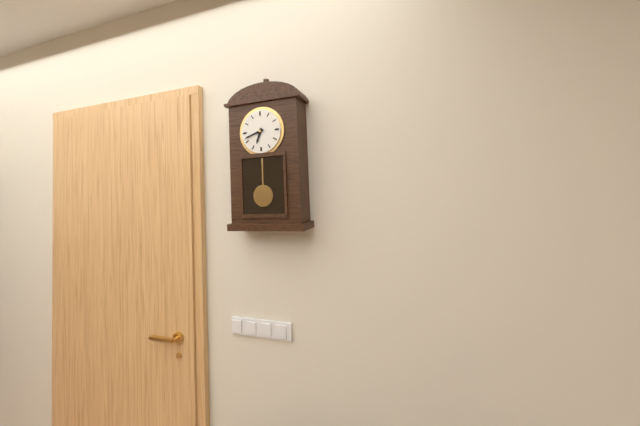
6:42
